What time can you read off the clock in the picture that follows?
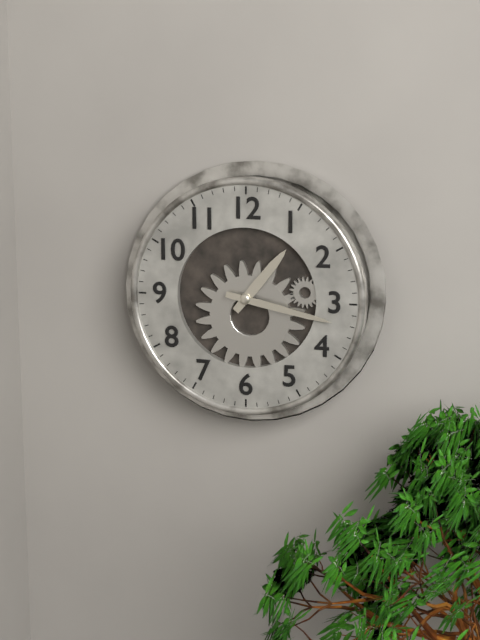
1:17
